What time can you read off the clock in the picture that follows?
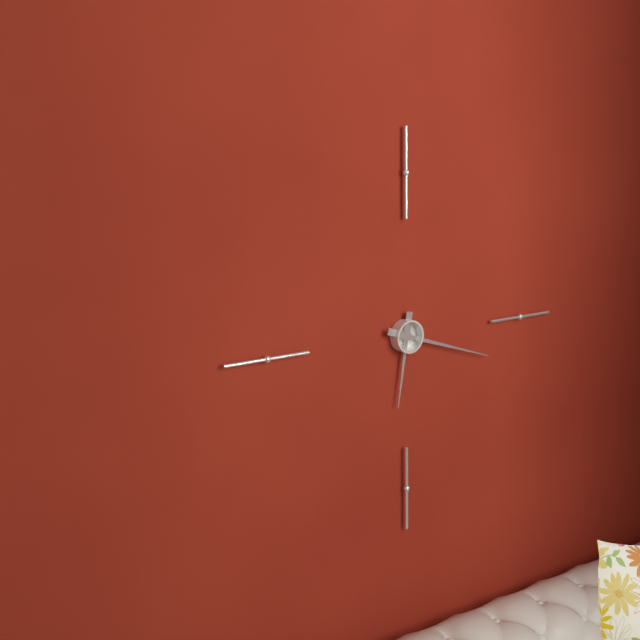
6:18
